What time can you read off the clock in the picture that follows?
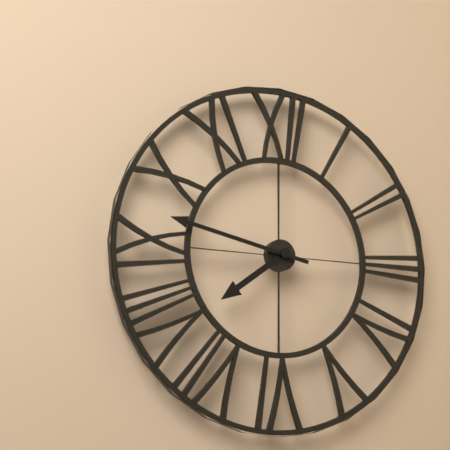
7:47
